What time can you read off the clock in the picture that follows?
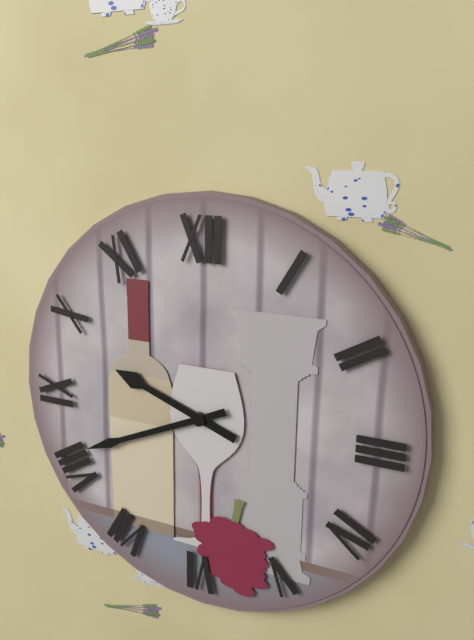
9:41
